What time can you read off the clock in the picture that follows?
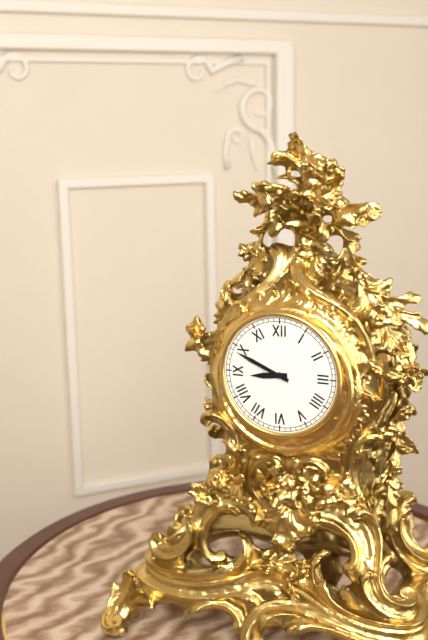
8:49
